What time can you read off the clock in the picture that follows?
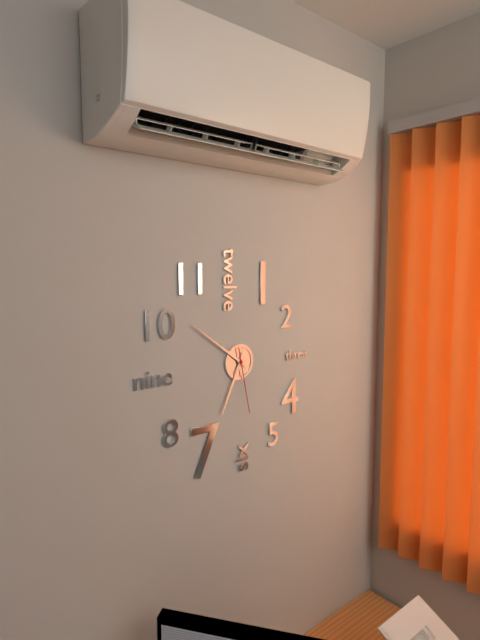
6:51:28
